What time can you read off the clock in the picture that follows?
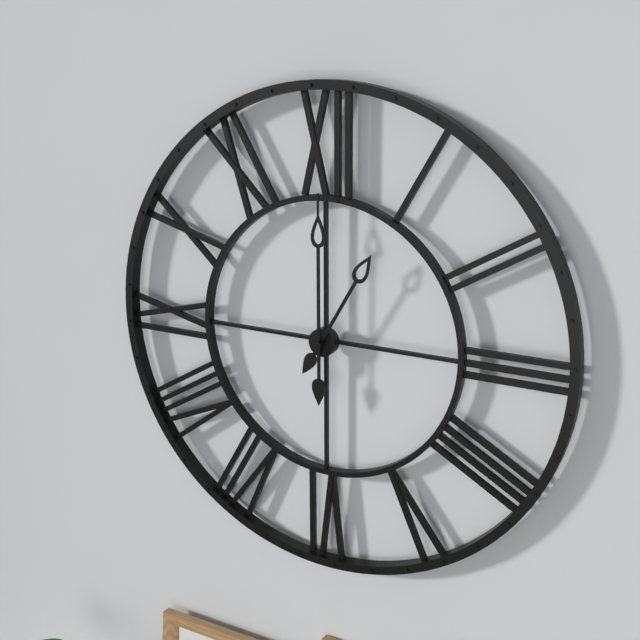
1:00
